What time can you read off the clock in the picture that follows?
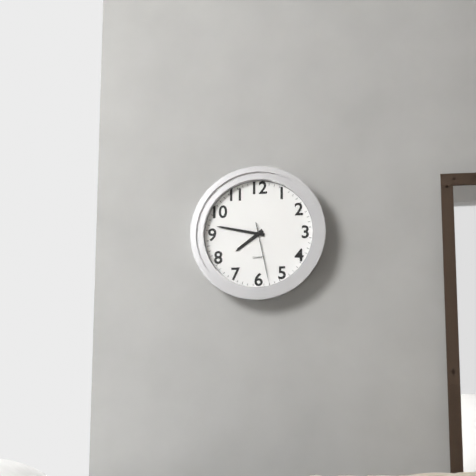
7:47:28
